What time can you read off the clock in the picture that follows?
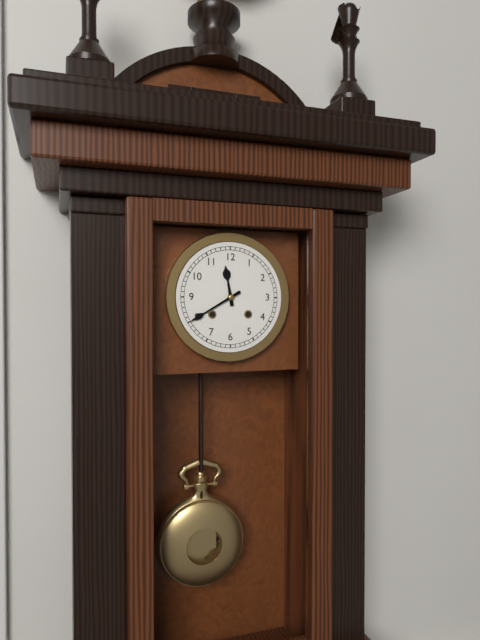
11:40
